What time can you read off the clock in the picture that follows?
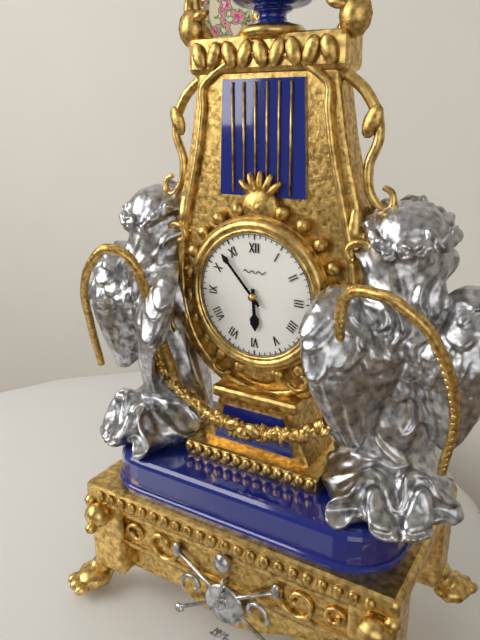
5:53
